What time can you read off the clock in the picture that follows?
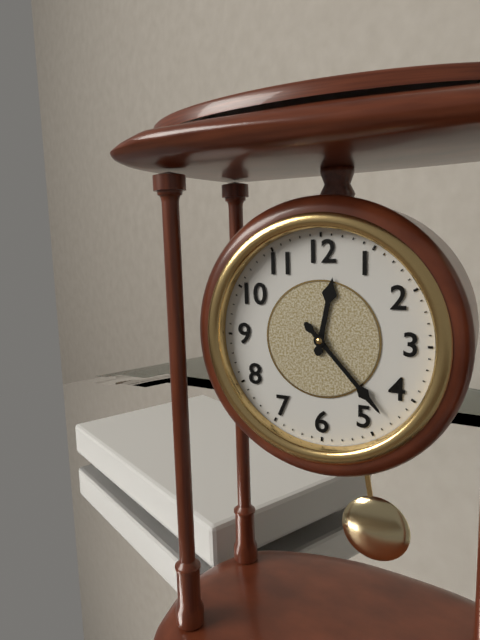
12:23
